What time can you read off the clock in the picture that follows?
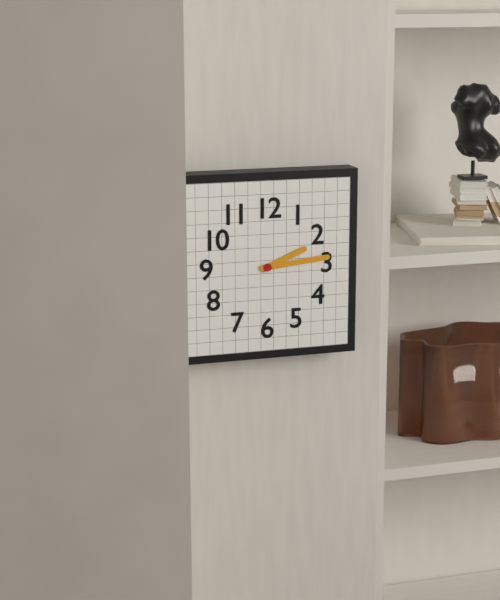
2:14
